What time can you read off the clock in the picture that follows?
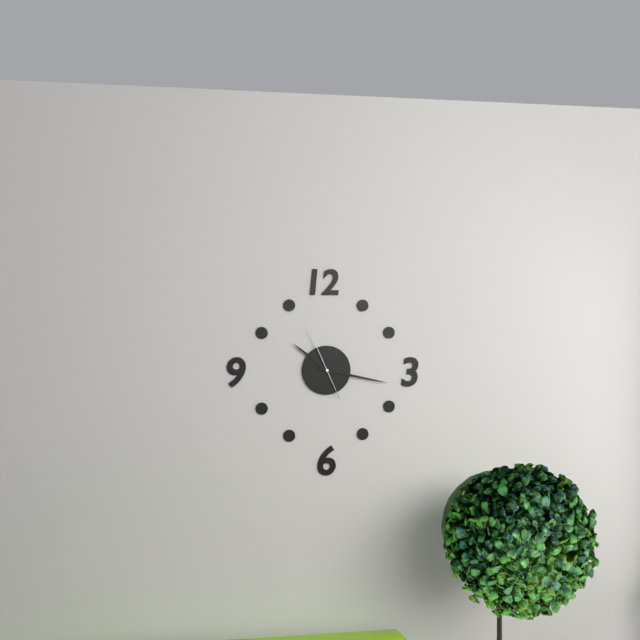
10:17:56
